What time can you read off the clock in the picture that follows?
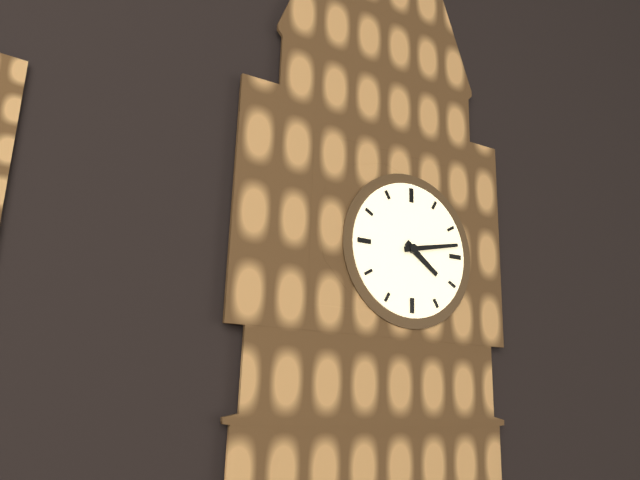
4:13
